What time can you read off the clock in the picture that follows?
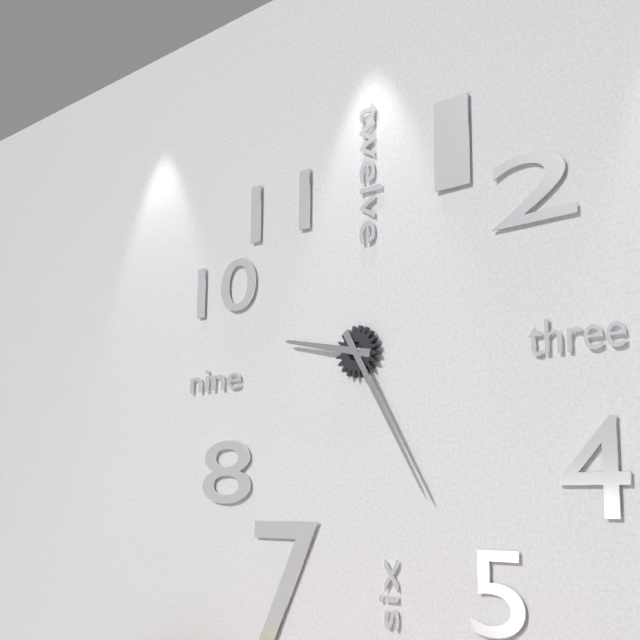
9:25
